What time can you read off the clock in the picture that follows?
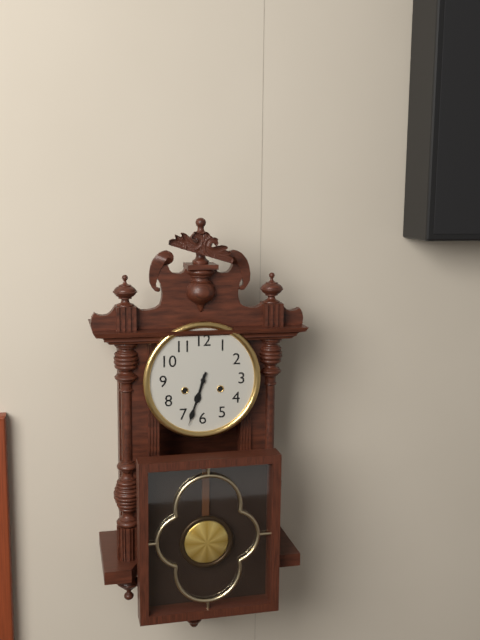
6:33
